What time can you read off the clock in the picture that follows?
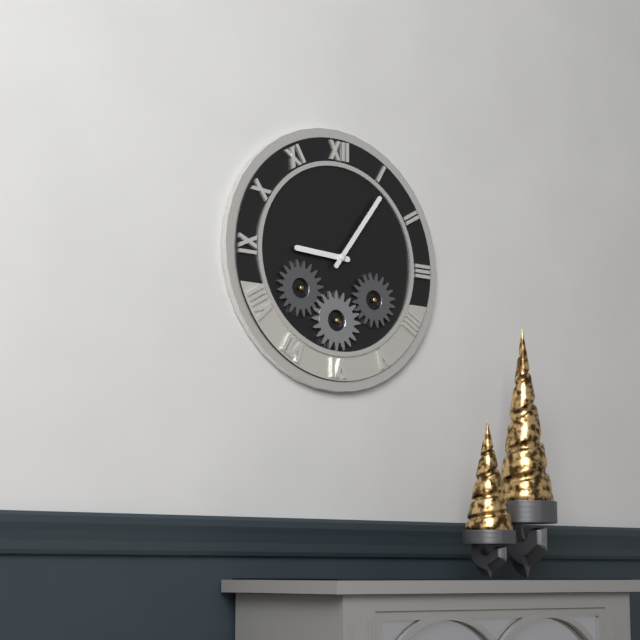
9:06
